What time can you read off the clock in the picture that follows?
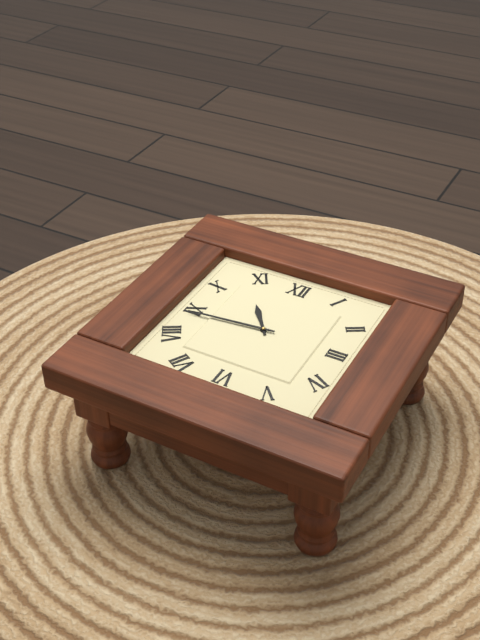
10:44
